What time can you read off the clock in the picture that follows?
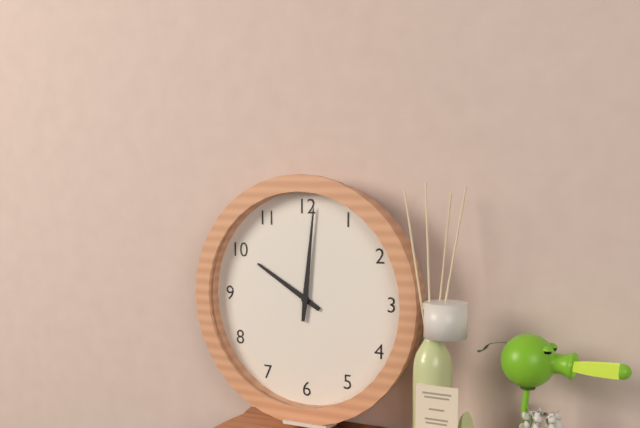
10:01
